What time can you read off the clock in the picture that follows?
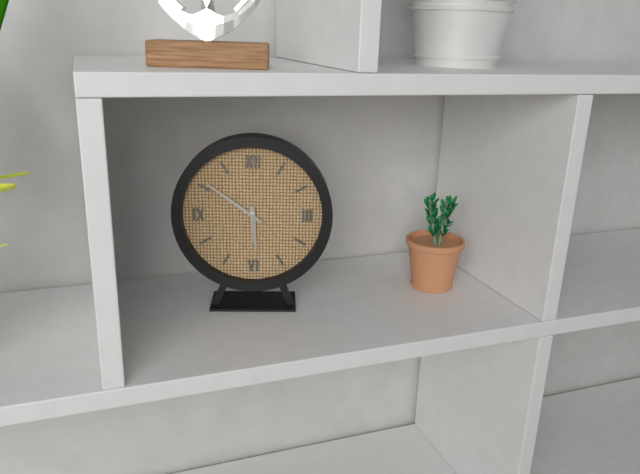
5:51
